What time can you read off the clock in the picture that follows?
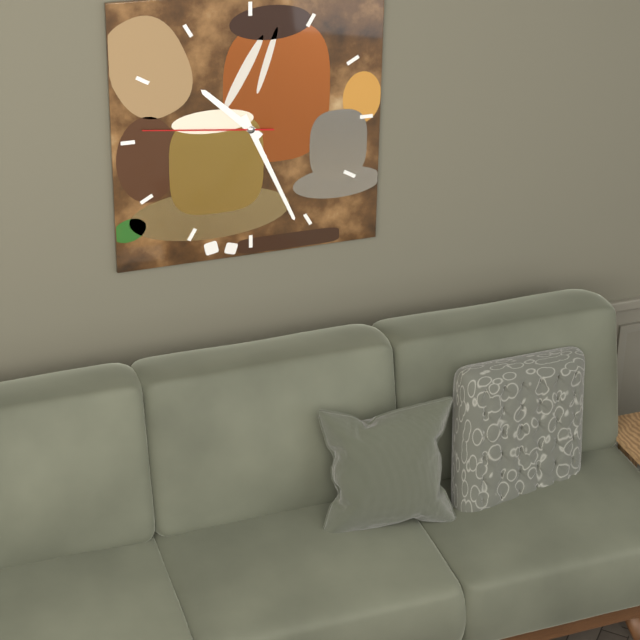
10:26:46
